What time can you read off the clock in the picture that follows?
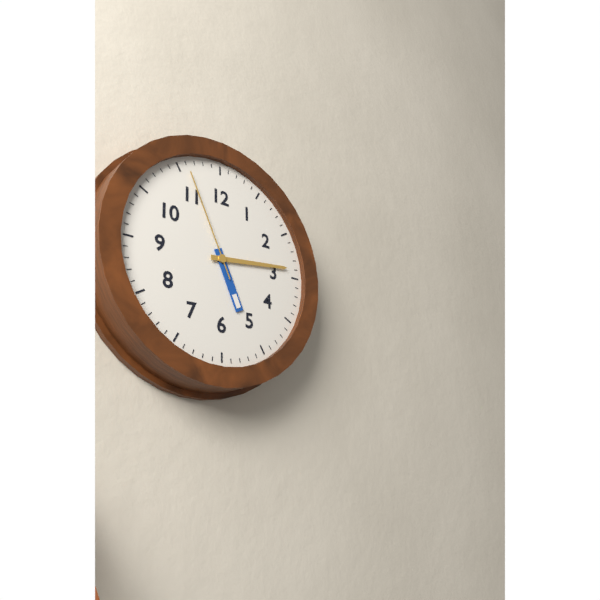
5:14:56
